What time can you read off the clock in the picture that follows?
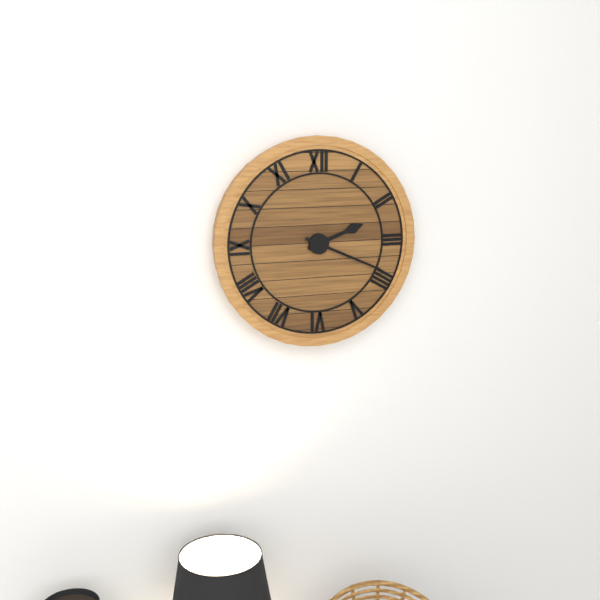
2:19
